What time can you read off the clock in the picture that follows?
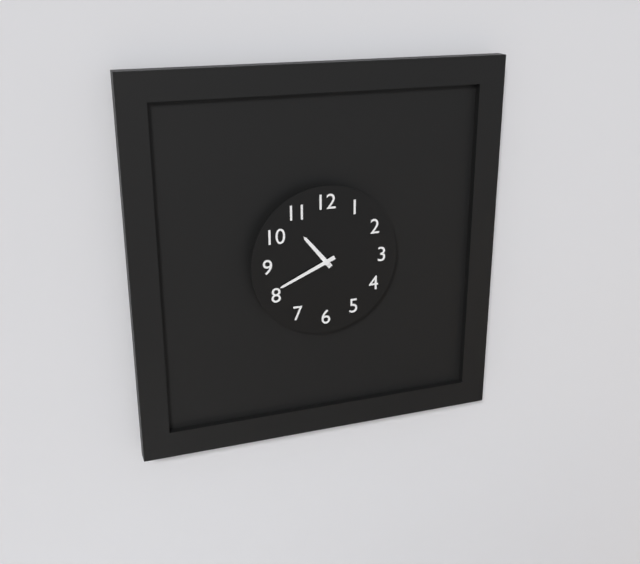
10:41
